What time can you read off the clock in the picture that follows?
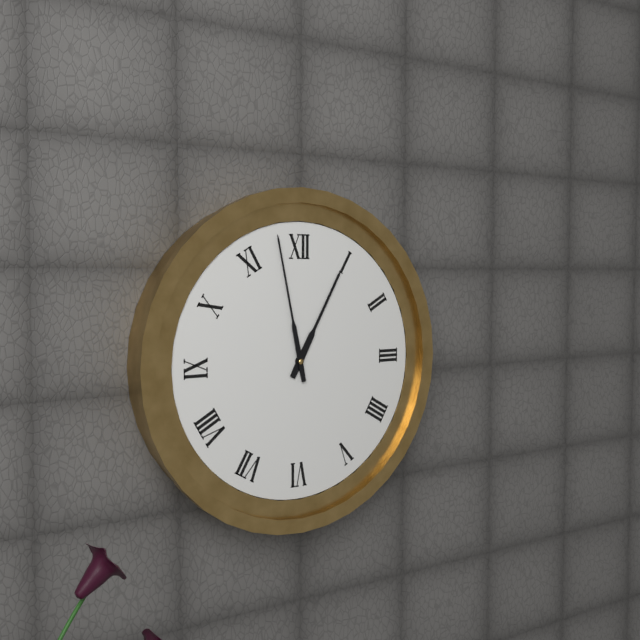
12:58
